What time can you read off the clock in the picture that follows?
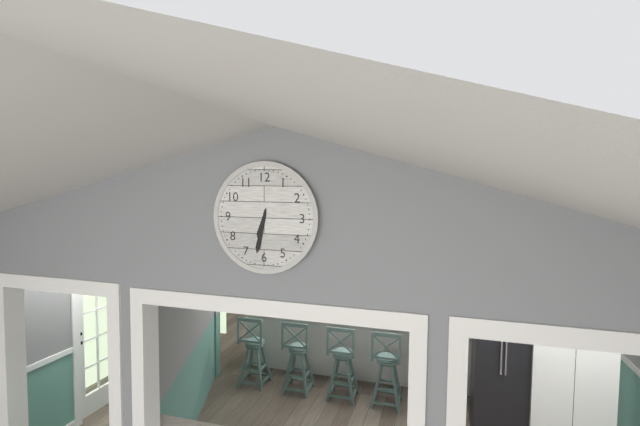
6:32
